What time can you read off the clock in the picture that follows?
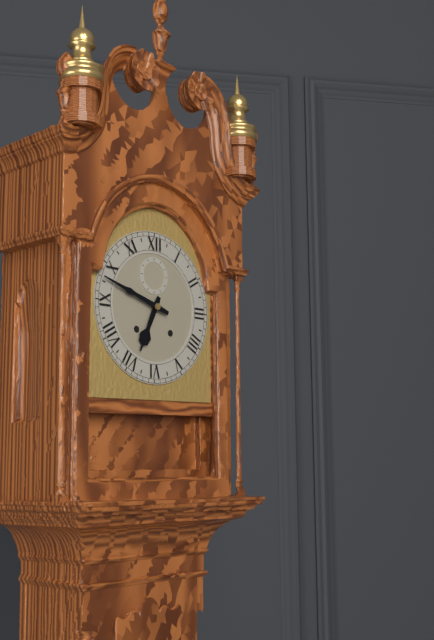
6:48
